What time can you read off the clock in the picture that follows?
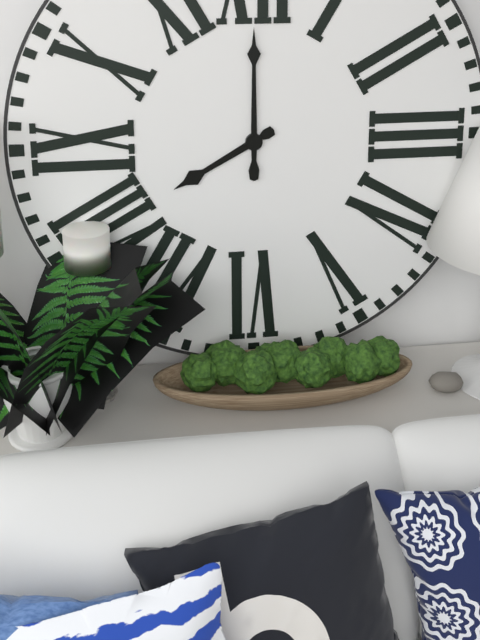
8:00
